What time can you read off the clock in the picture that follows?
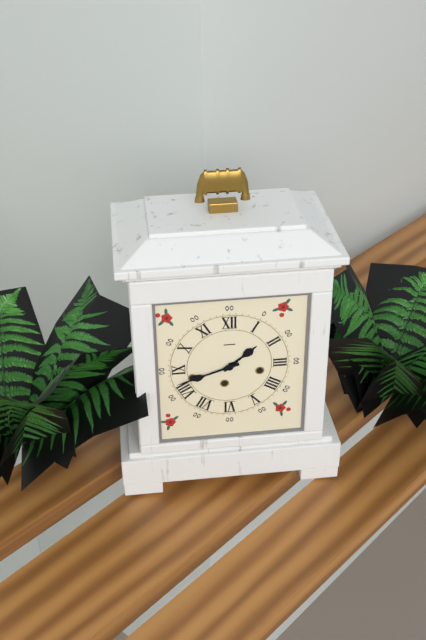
1:42
